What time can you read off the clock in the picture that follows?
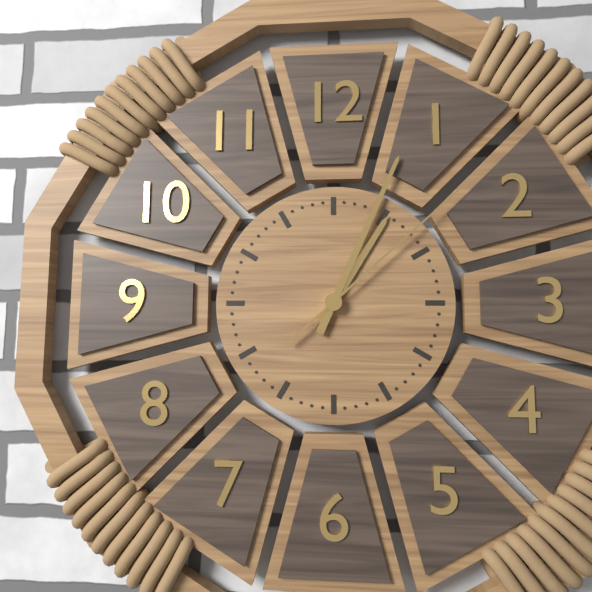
1:04:08
